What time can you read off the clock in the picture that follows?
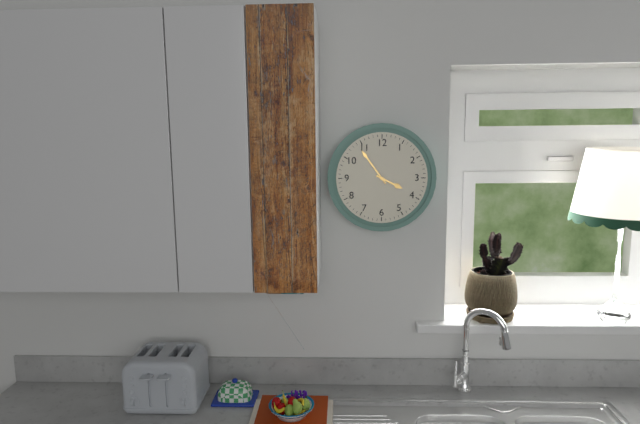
3:54
